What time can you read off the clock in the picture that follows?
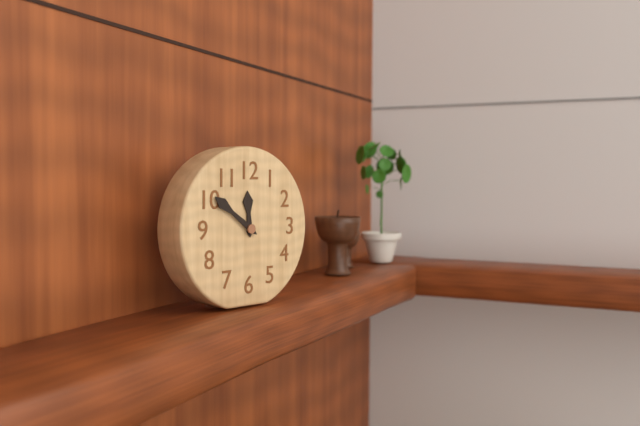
11:51
